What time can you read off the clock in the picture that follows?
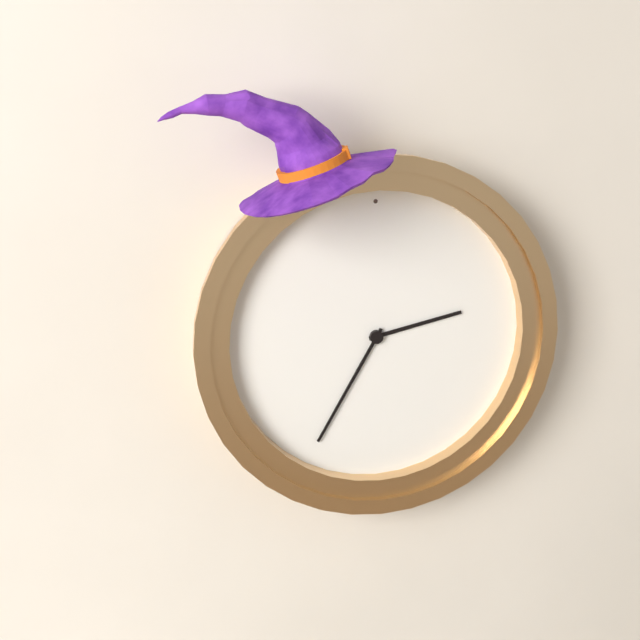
2:35
